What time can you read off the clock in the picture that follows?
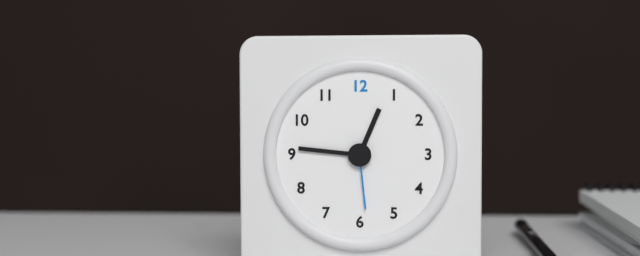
12:46:29
